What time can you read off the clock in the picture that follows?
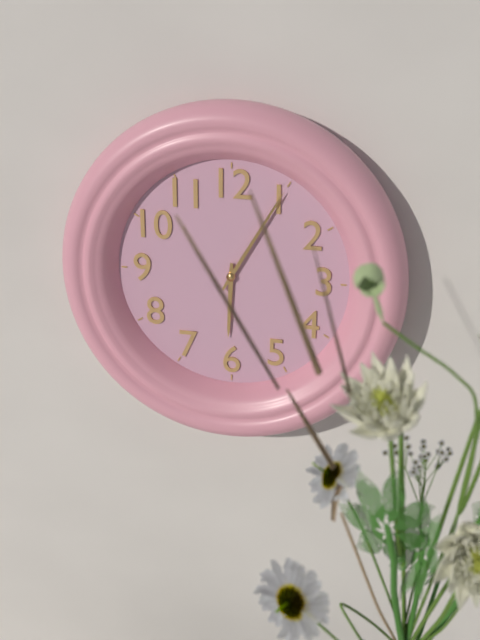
6:05
